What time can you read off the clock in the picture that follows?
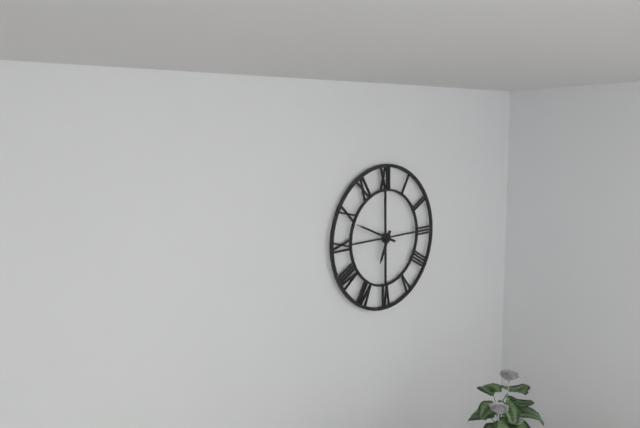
6:49
